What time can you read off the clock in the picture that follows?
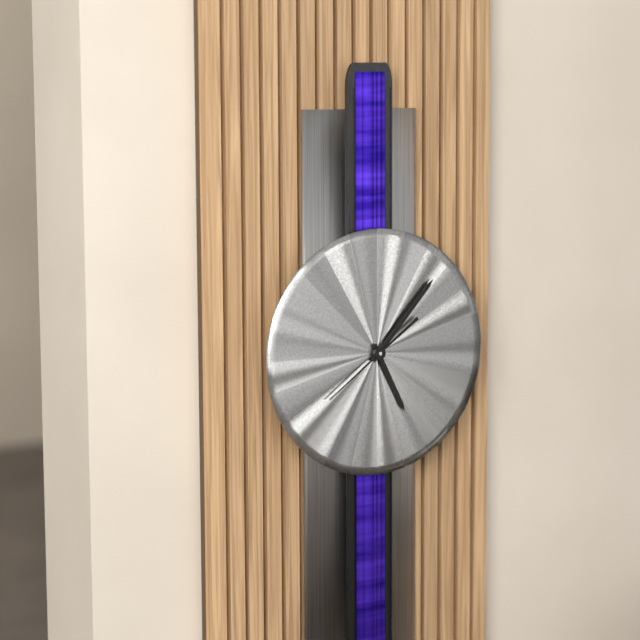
5:07:39
